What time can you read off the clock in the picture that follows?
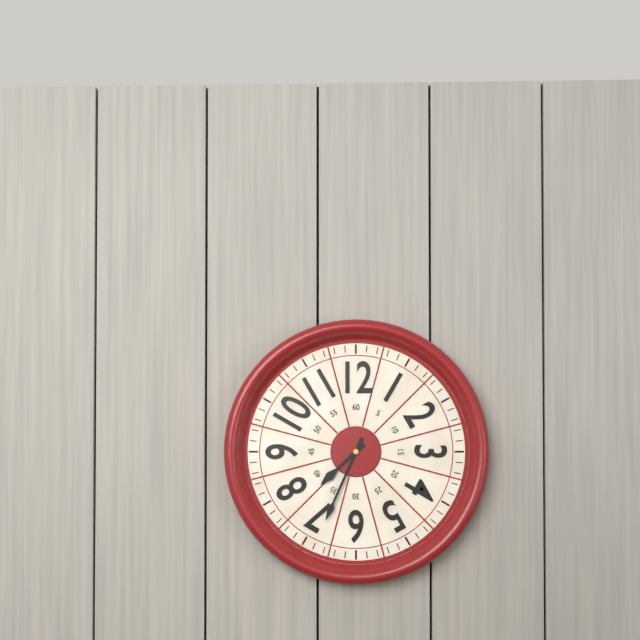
7:34
